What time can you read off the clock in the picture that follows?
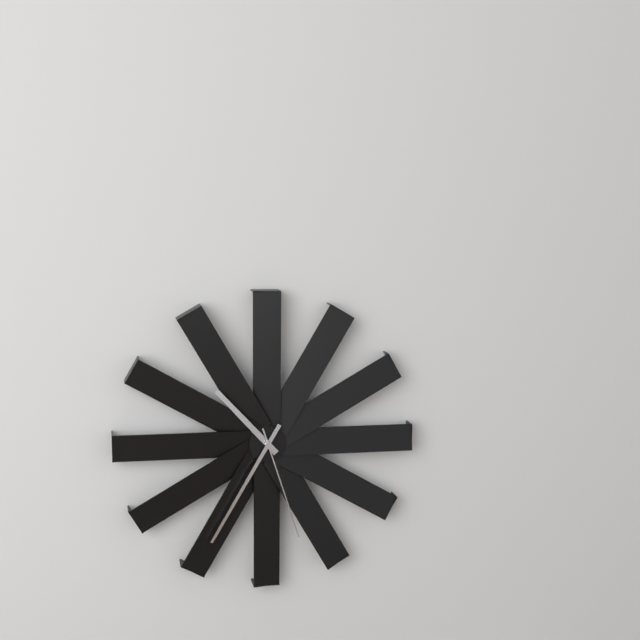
10:35:27
